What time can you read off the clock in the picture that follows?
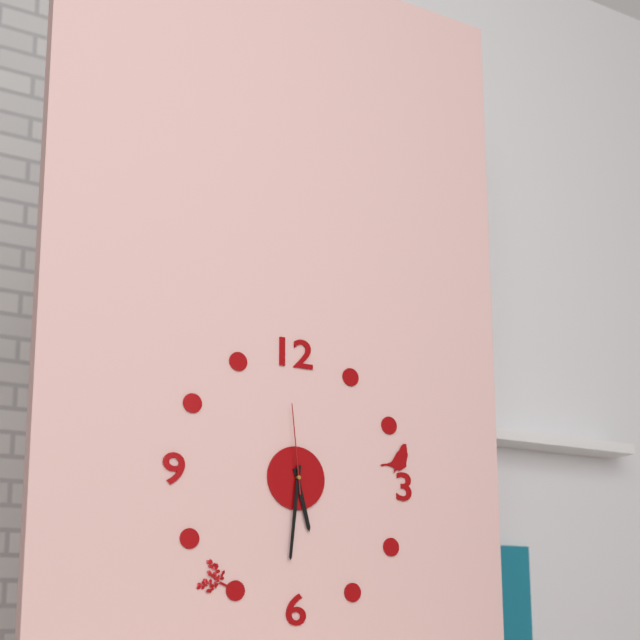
5:31:59
